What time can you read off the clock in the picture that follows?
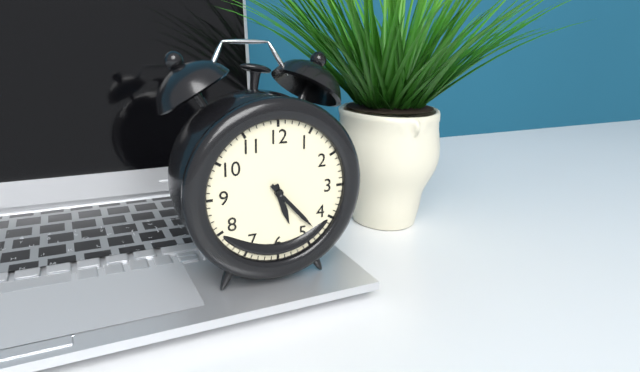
5:23
